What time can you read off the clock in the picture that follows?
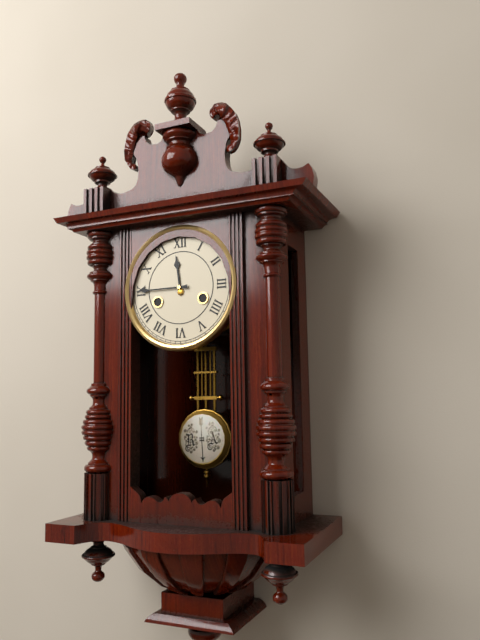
11:45
